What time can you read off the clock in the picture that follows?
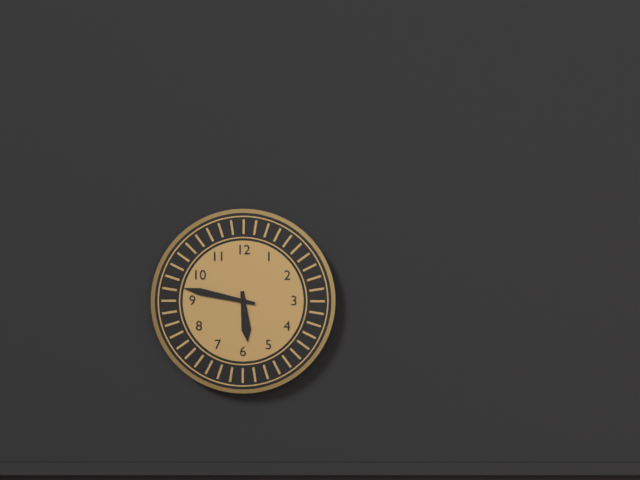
5:47
